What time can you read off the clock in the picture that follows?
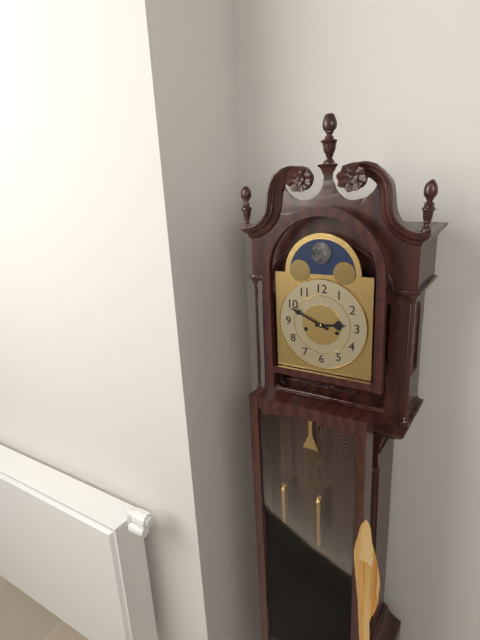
2:49
